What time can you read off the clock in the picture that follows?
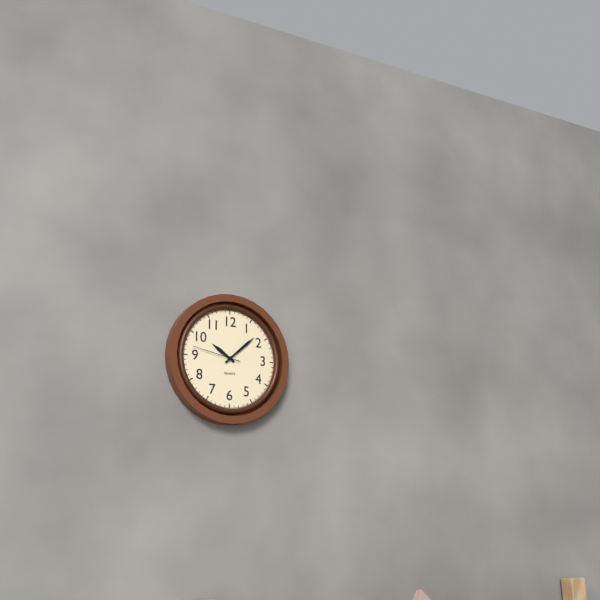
10:08
